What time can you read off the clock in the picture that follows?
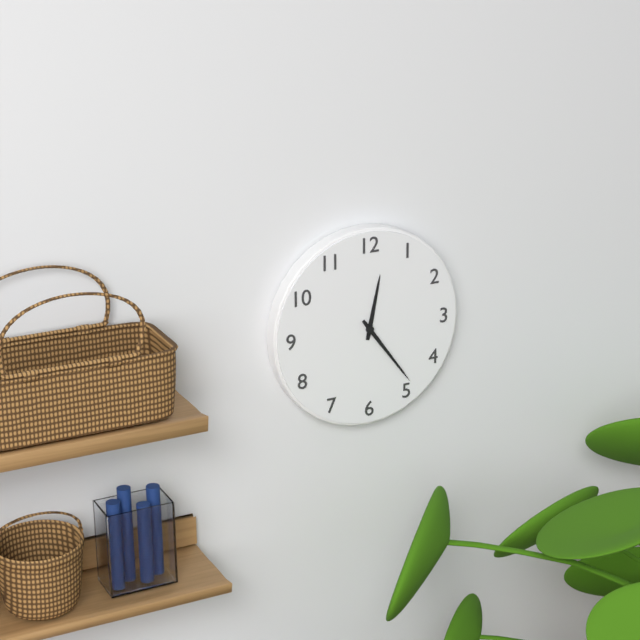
12:24
